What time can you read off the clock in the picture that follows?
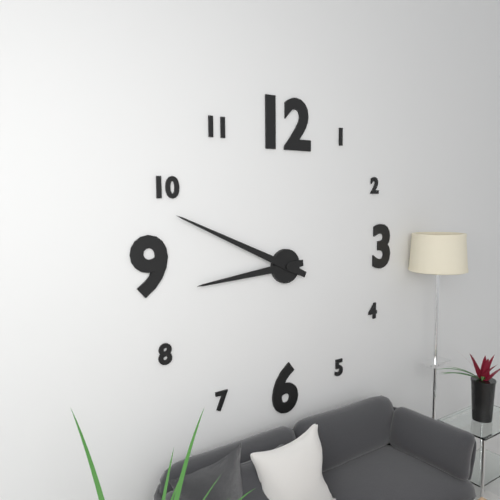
8:49
